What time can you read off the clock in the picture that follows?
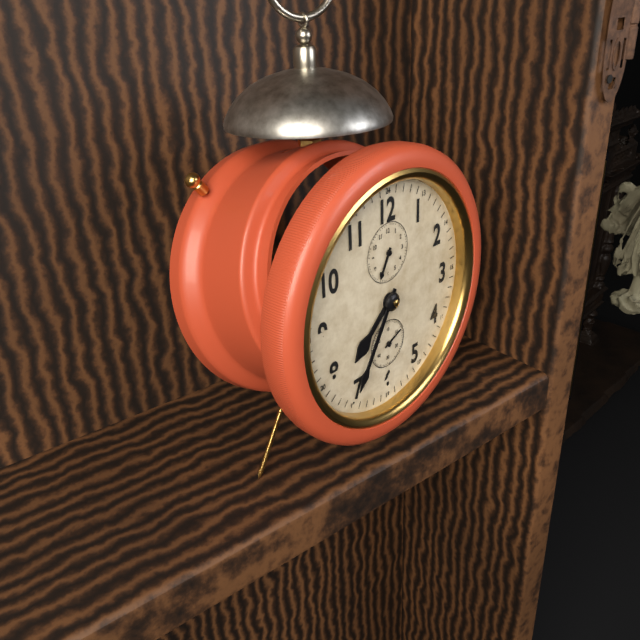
7:35
